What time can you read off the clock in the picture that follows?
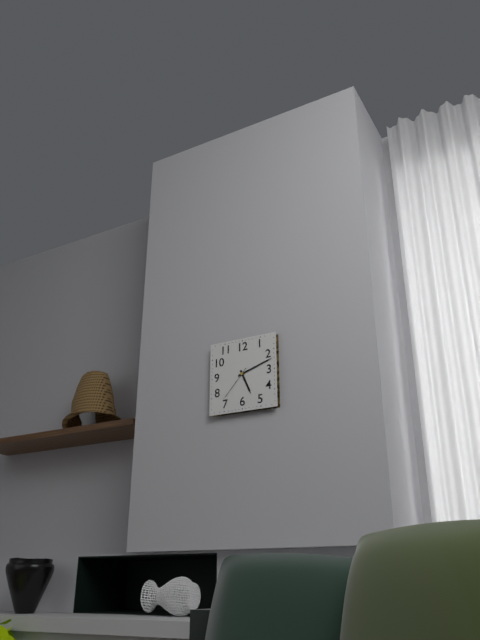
5:12
